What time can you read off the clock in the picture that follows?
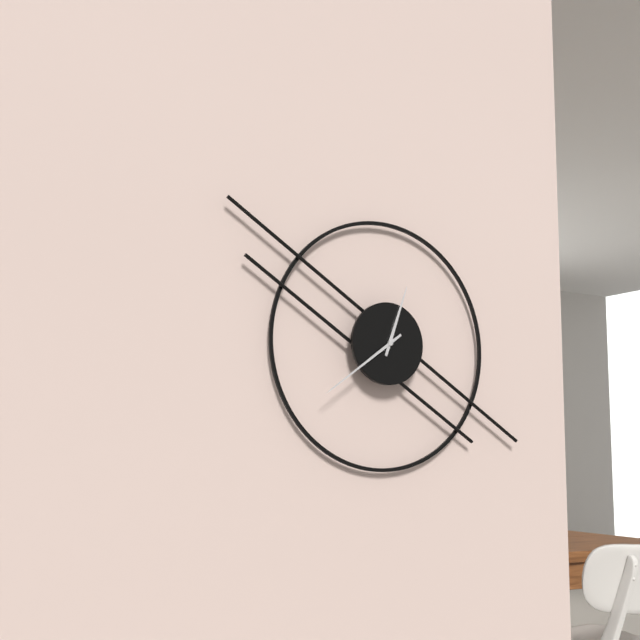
12:39
